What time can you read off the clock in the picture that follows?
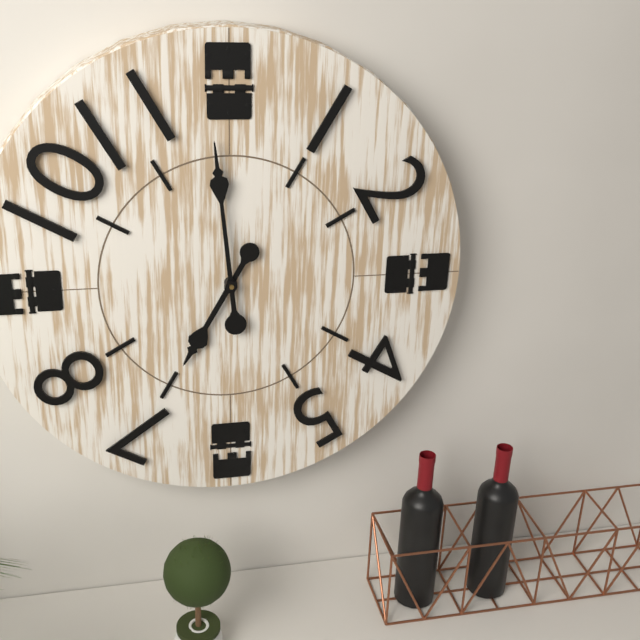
6:59
